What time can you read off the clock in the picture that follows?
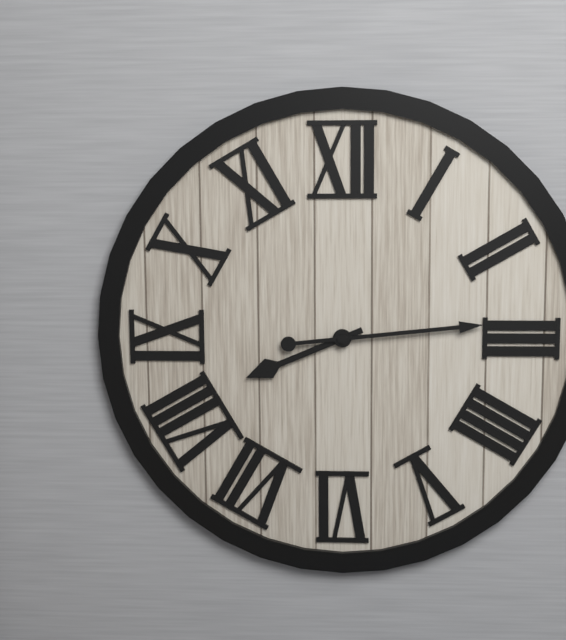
8:14
